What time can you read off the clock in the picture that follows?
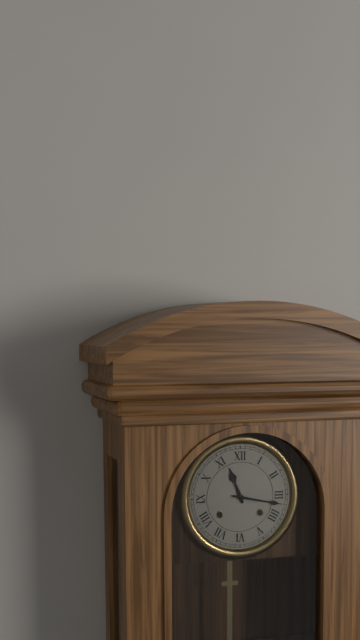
11:17
